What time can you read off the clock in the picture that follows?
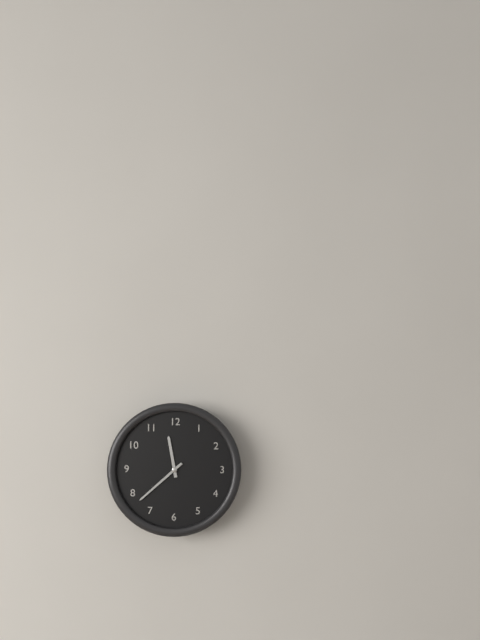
11:38
